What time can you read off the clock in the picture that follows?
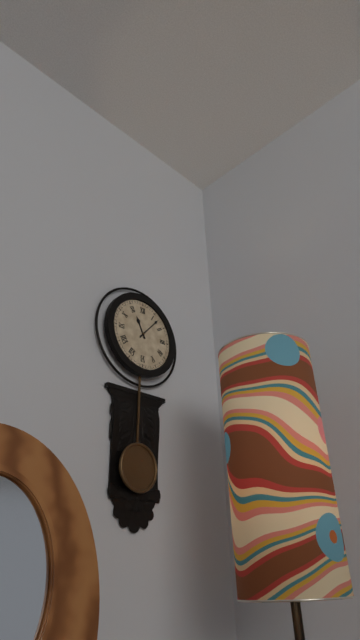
11:07
